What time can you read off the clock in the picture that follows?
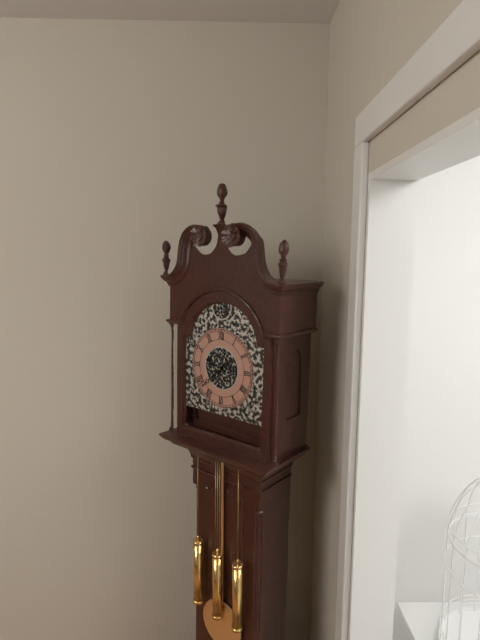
9:38
